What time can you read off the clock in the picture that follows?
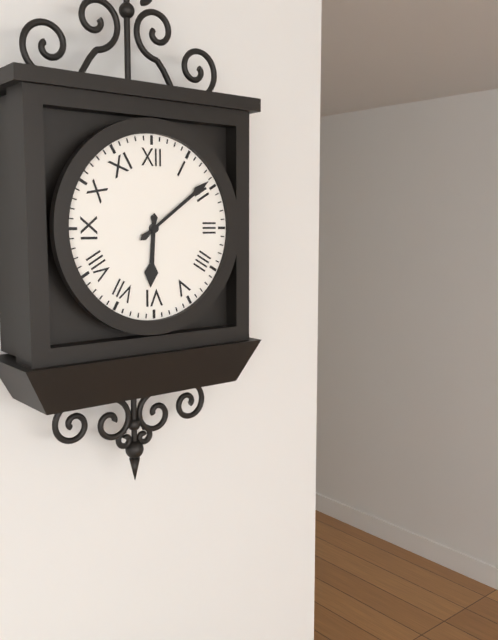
6:09
